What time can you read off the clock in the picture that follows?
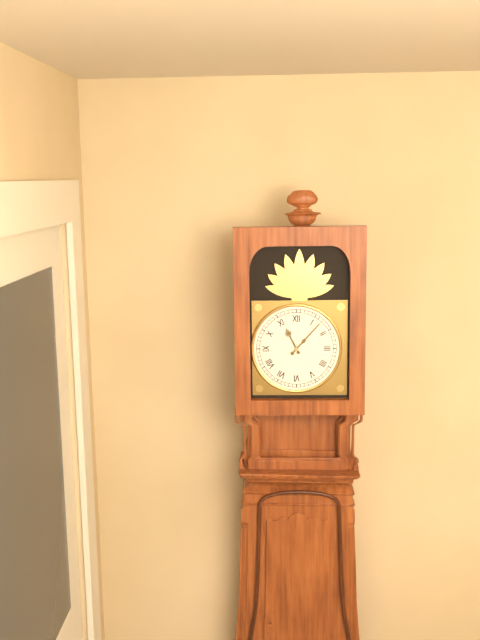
11:07
